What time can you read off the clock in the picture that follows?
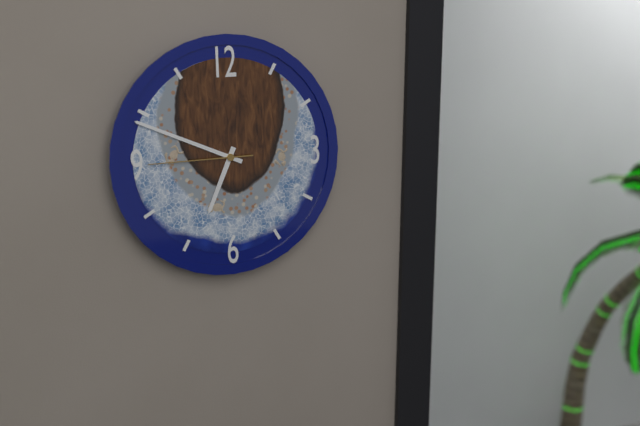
6:49:45
